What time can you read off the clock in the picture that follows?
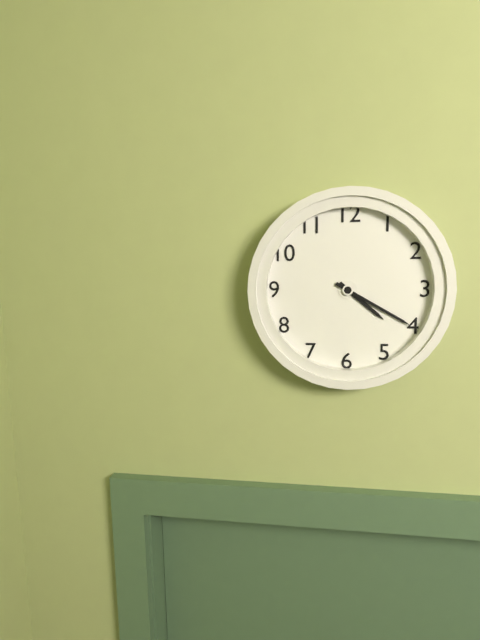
4:20
